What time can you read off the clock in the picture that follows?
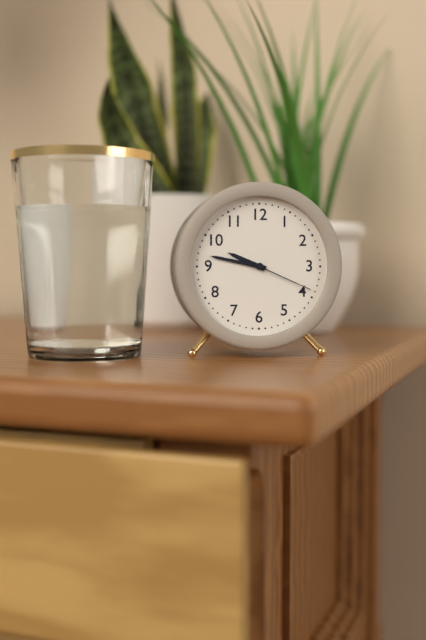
9:47:19
